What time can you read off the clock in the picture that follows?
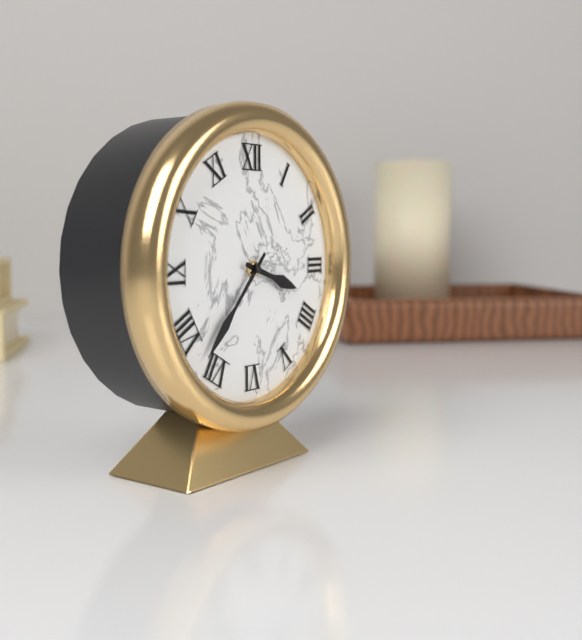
3:37
